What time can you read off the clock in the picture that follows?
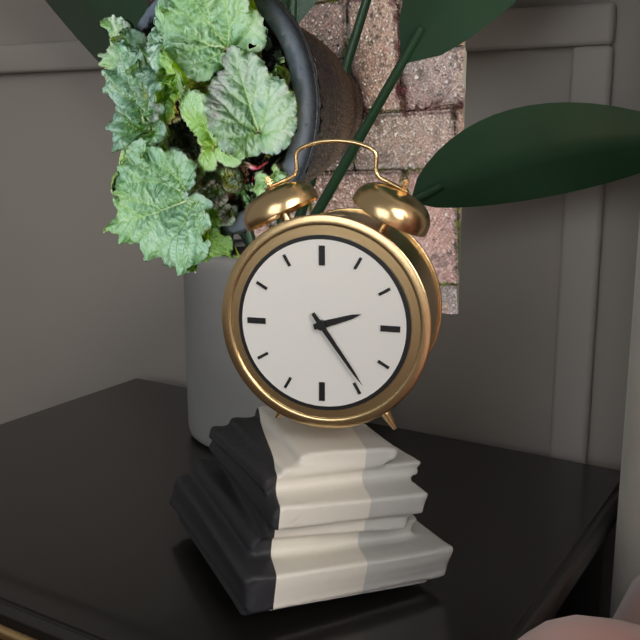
2:24
